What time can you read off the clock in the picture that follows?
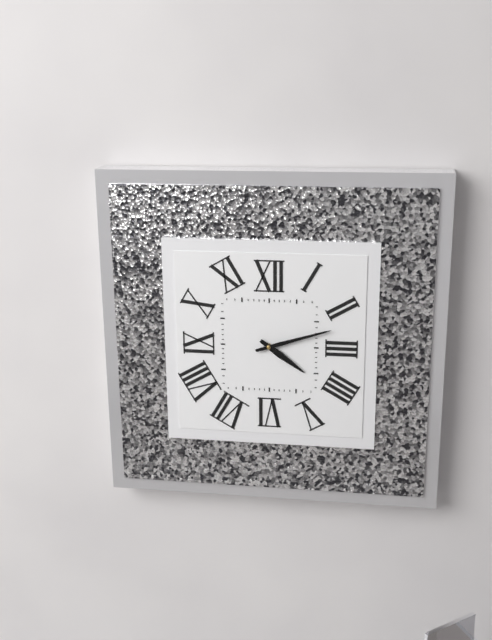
4:12
